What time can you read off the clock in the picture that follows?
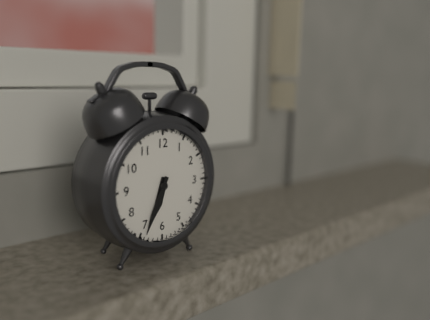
6:34
